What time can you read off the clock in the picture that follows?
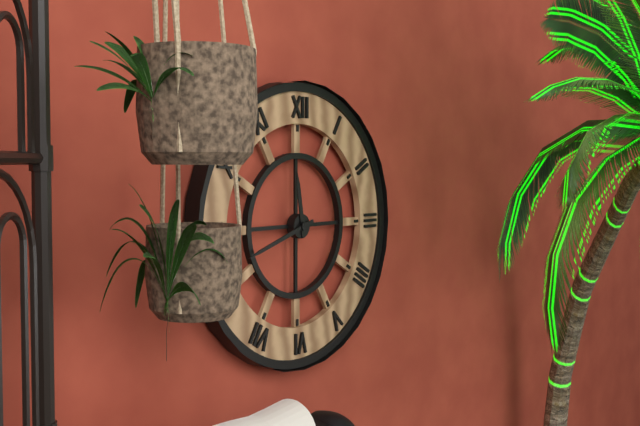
11:42
